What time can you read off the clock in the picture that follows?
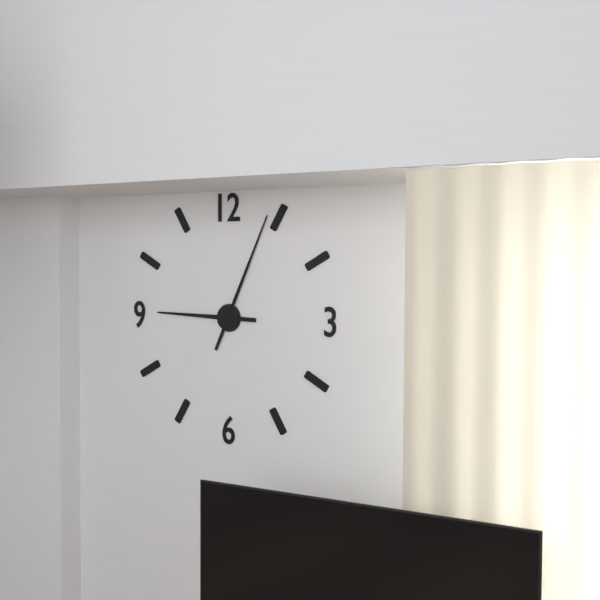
9:04
